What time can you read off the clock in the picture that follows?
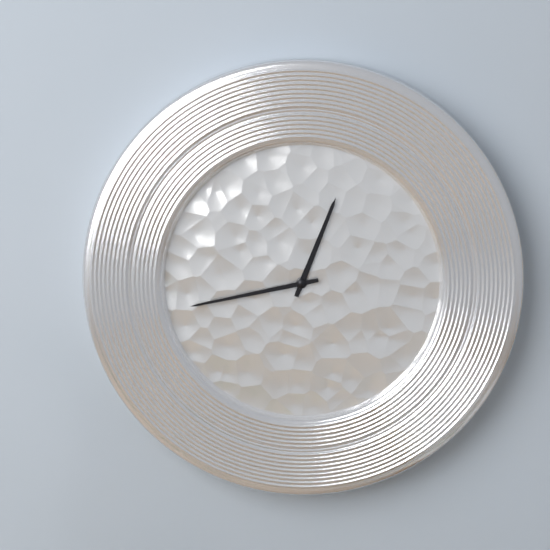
12:43
